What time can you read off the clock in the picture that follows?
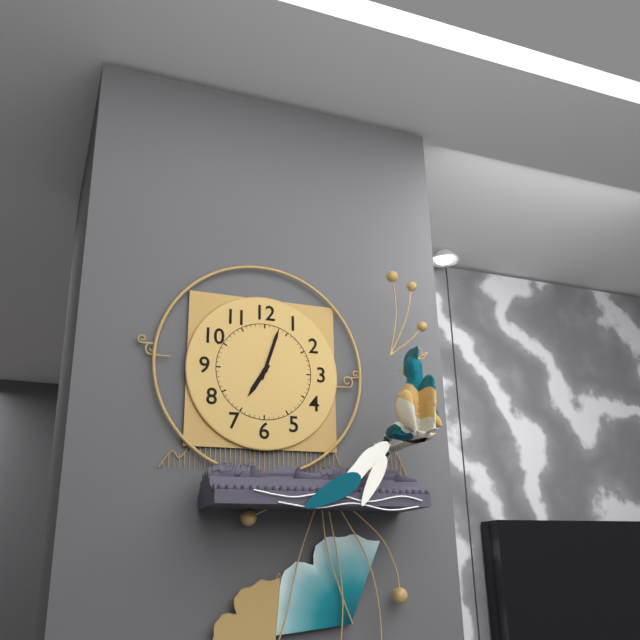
7:03
